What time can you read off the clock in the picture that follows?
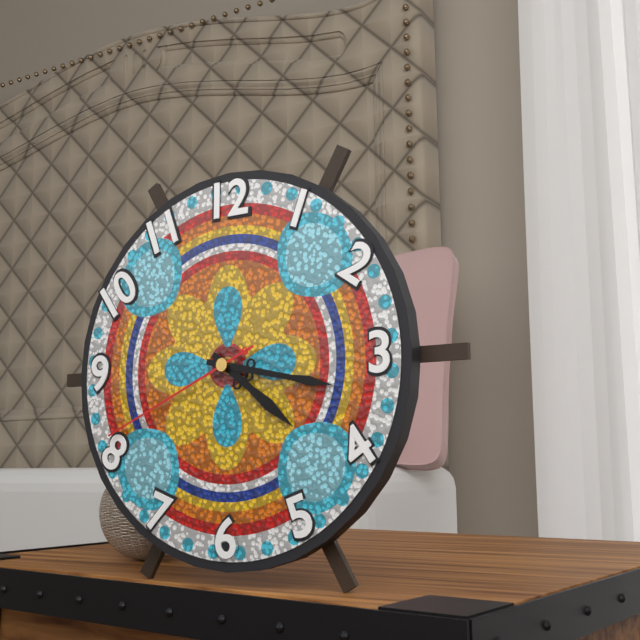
4:17:41
